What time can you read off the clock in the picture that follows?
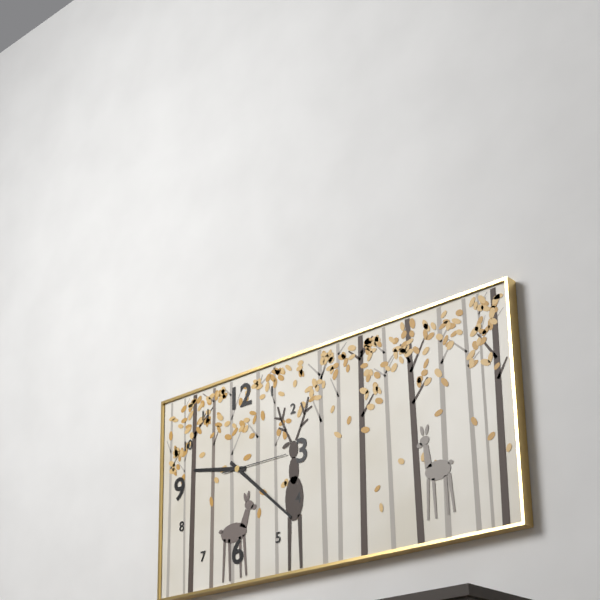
9:22:15
